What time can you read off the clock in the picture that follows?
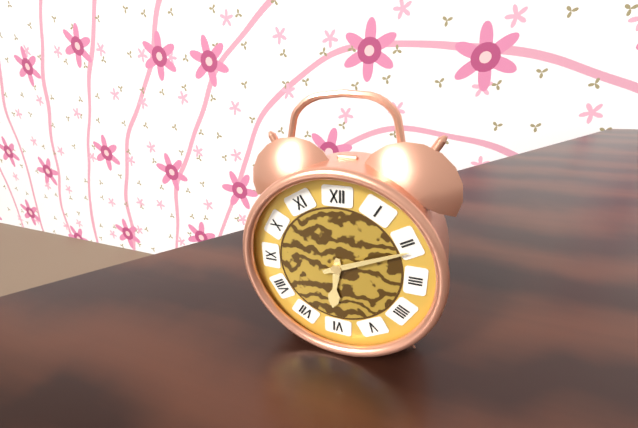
6:11
